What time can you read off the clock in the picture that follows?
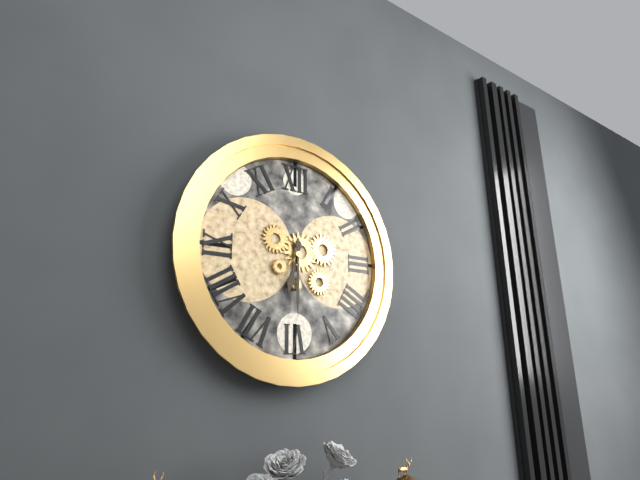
6:30
